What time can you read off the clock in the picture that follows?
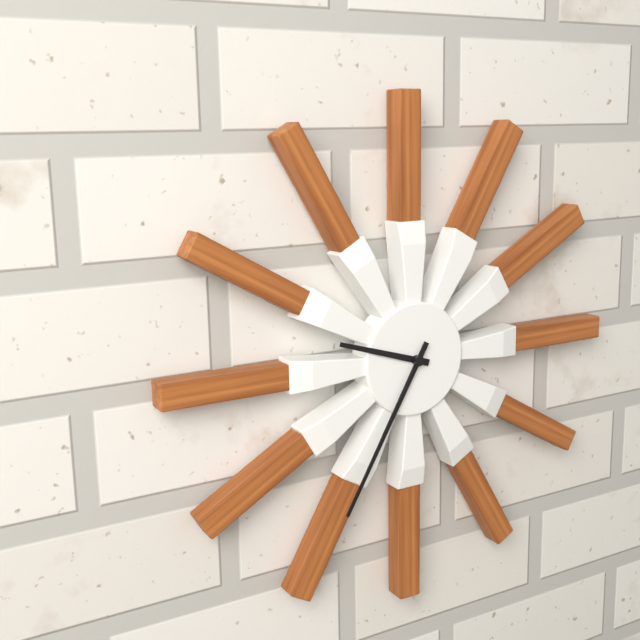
9:35
